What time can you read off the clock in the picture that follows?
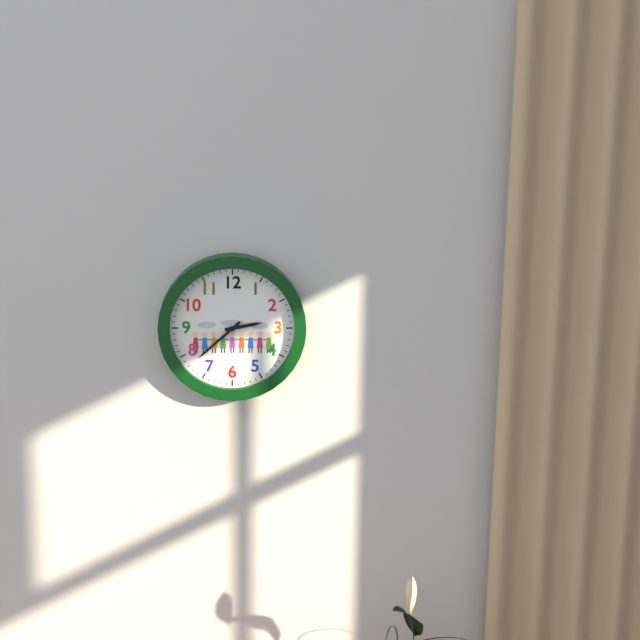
2:38
